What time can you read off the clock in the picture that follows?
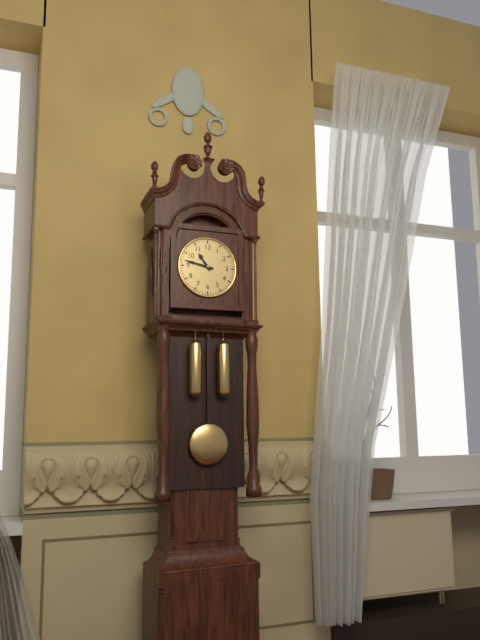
10:47
